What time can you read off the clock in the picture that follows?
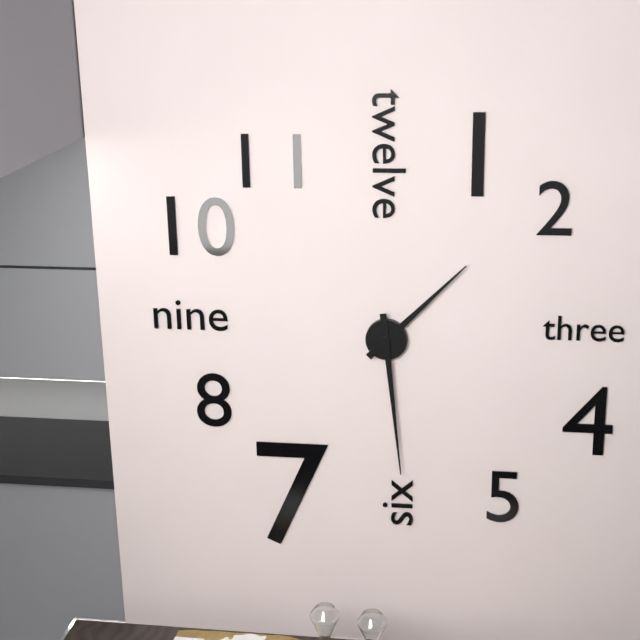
1:29
